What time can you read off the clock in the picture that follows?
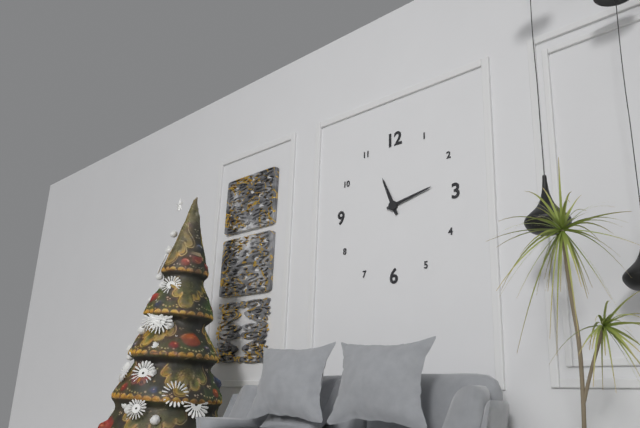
11:13
